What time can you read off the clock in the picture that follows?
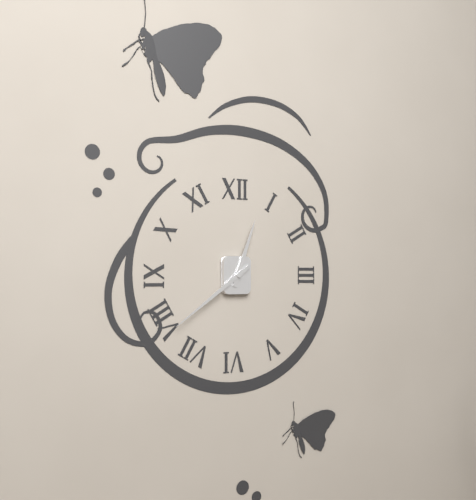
12:39
